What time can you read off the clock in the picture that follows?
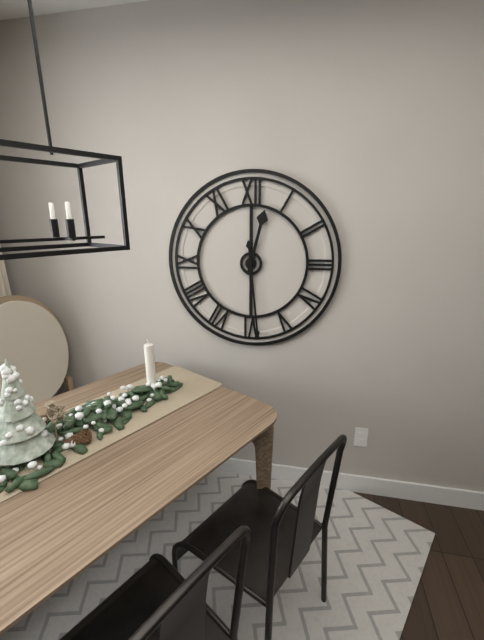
12:29
